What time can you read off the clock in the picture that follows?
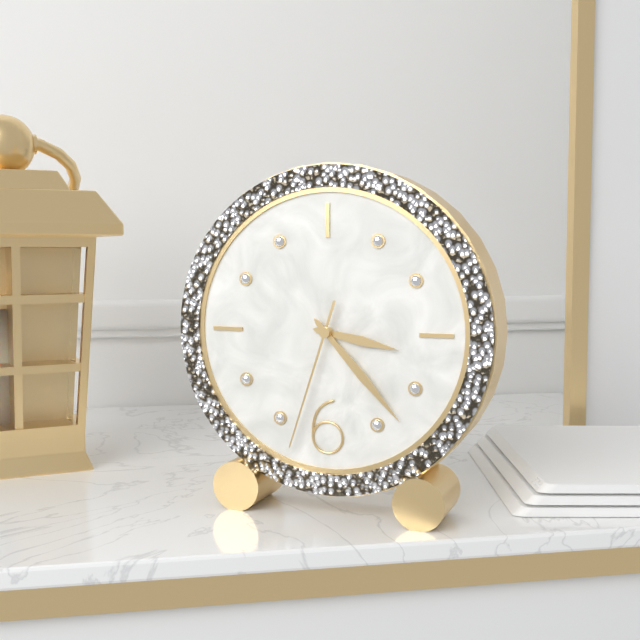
3:23:33
